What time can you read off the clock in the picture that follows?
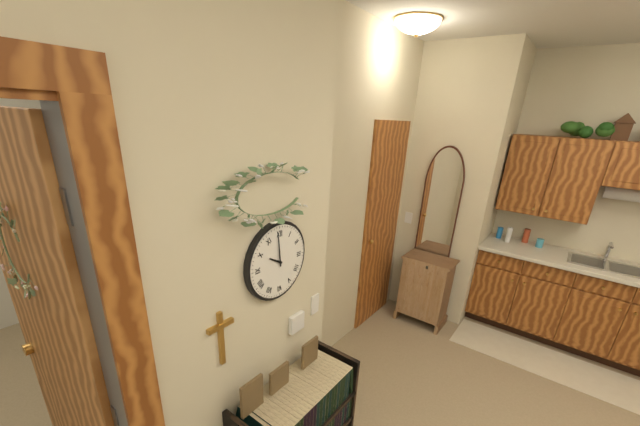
9:59
